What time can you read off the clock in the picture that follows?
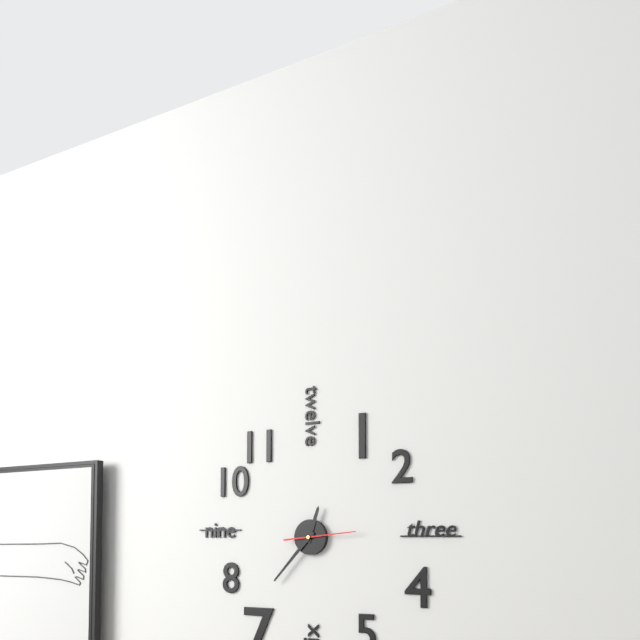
12:37:14
